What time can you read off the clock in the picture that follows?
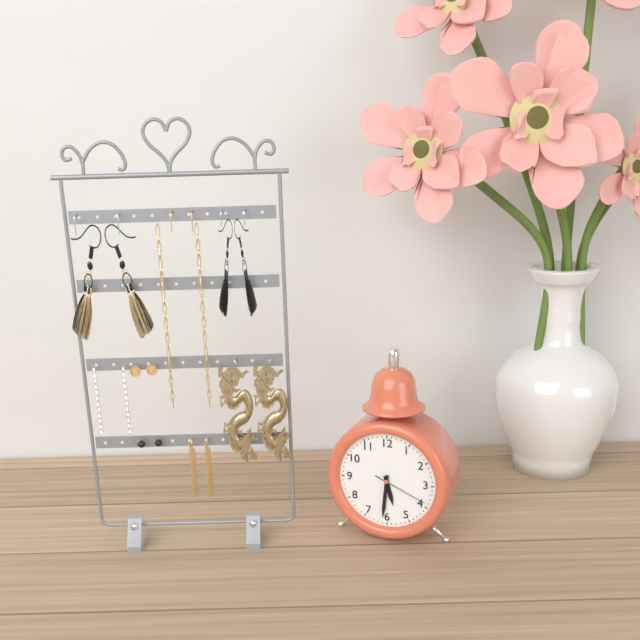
5:31:19
